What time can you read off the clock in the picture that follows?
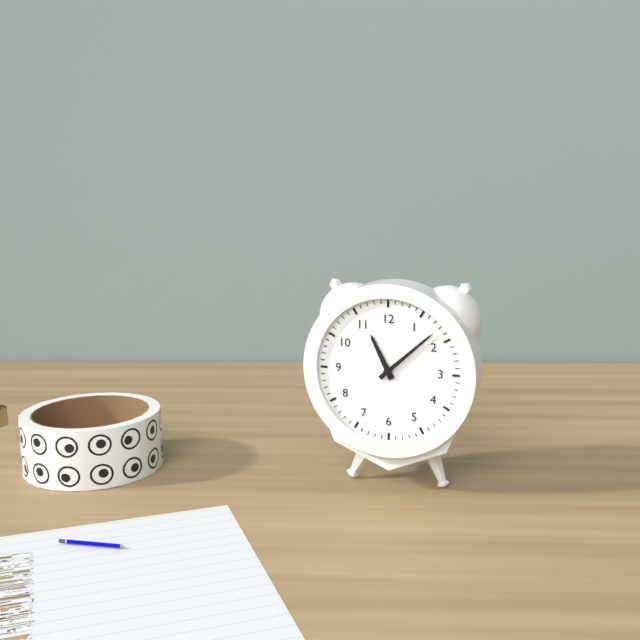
11:08
